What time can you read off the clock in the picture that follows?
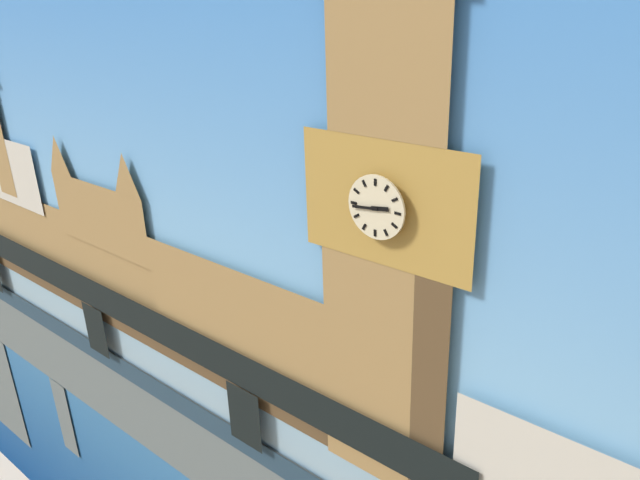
2:44
